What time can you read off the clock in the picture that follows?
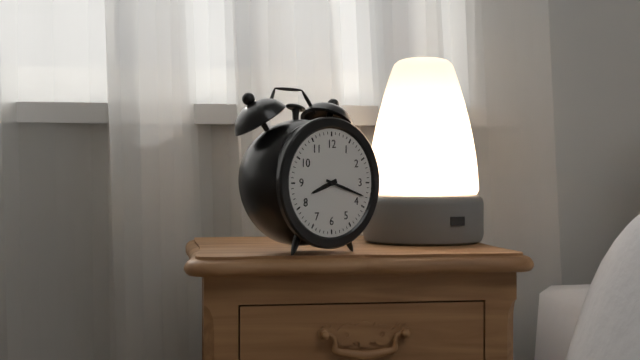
8:18
